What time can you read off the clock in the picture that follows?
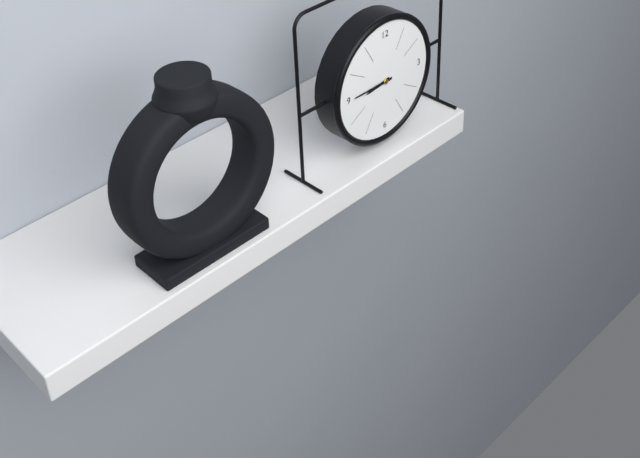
8:45
